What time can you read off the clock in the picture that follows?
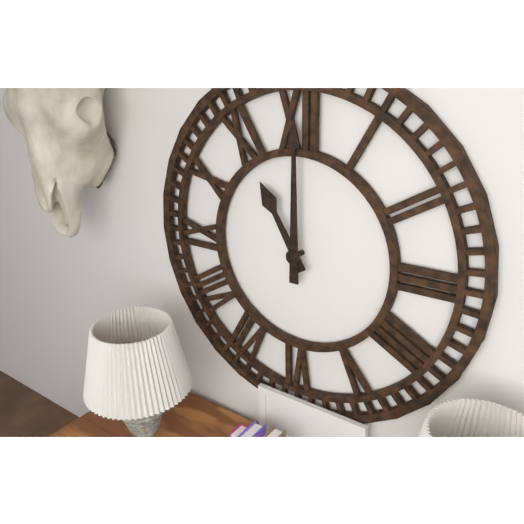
11:00
